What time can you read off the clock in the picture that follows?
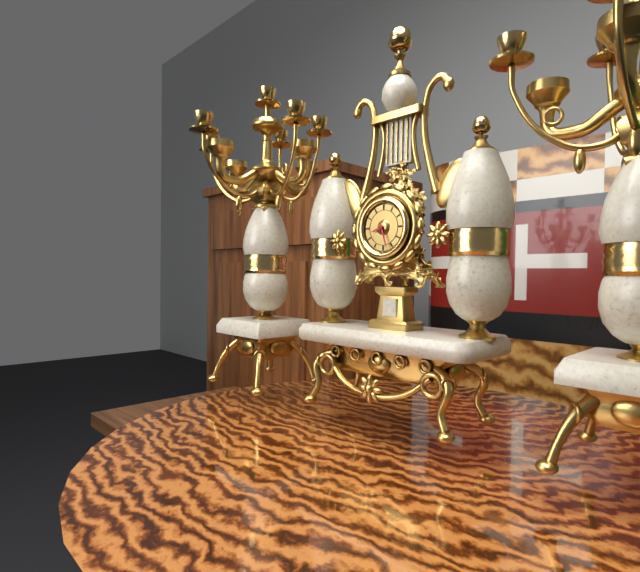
8:27
